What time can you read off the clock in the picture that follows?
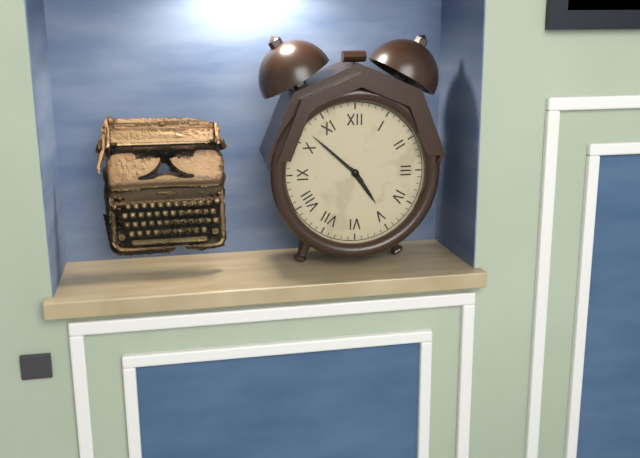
4:52
